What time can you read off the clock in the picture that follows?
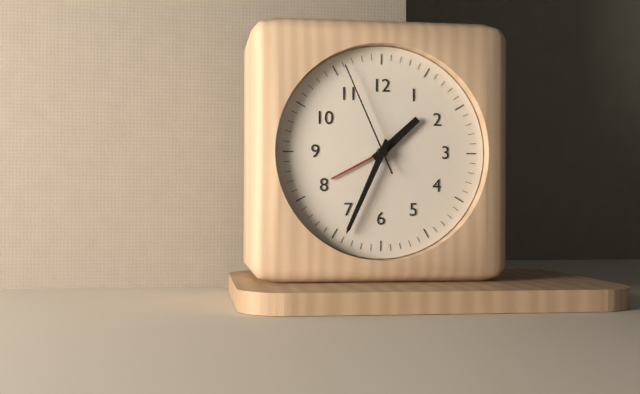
1:34:56
